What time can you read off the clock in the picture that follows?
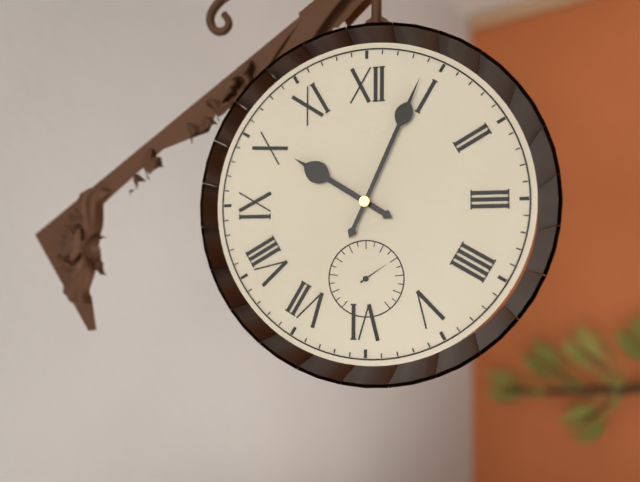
10:04
